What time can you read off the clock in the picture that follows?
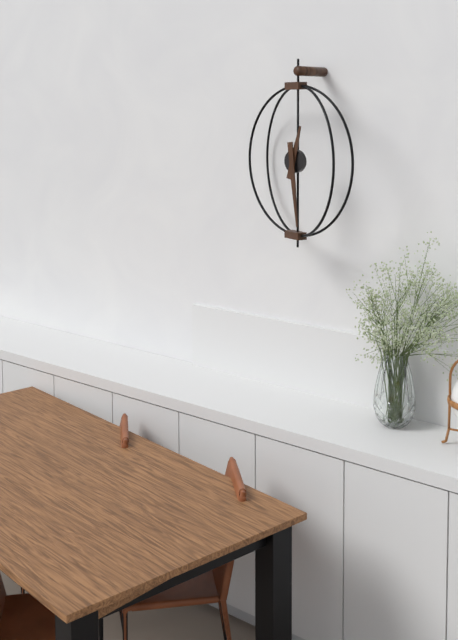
12:29
